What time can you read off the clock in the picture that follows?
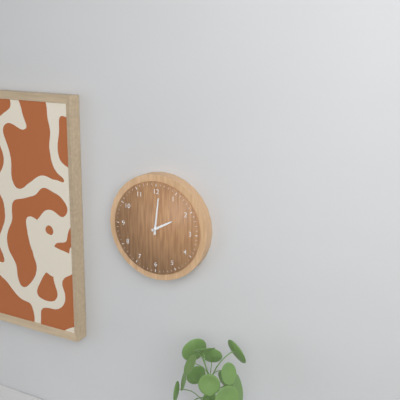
2:01
